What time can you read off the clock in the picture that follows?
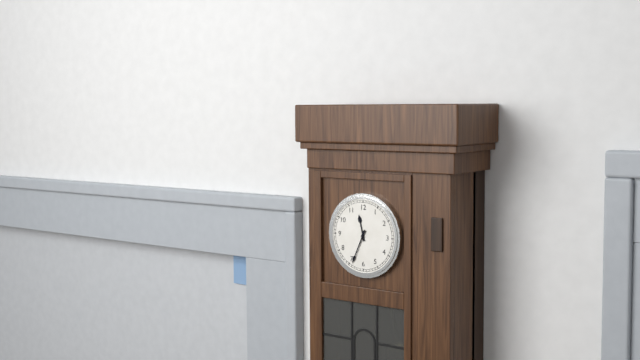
11:34
